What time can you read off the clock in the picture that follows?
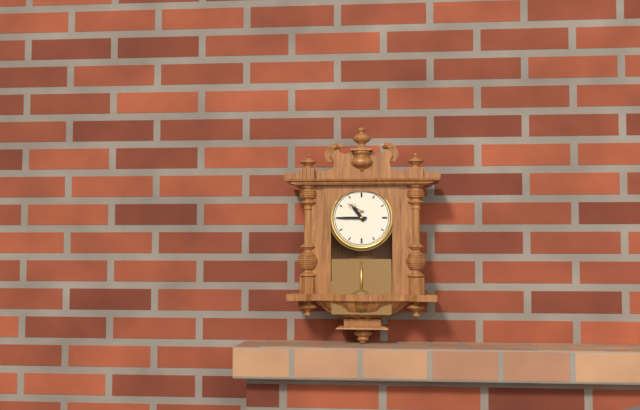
10:45
